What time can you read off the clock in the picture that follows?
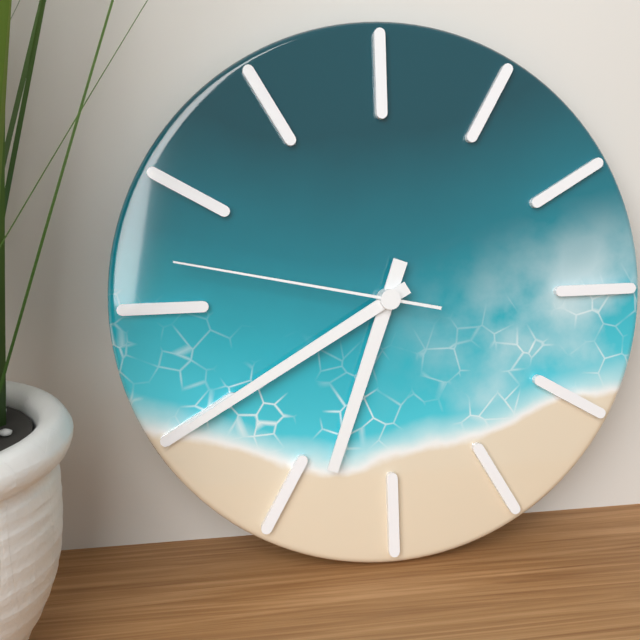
6:40:47
